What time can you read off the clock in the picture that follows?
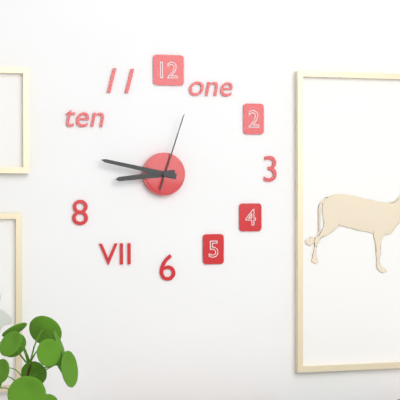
8:47:03
